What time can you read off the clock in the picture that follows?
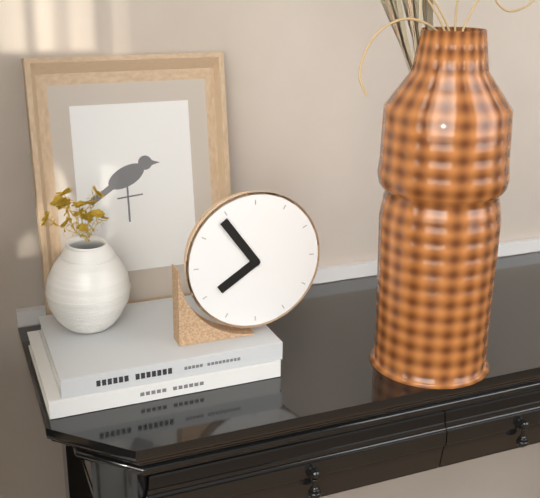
7:54
